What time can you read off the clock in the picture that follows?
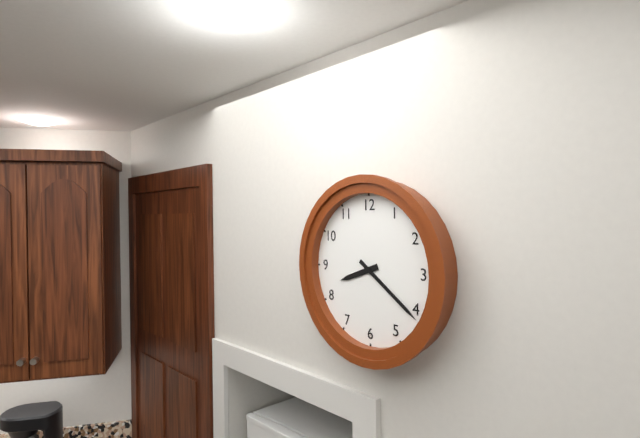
8:21
